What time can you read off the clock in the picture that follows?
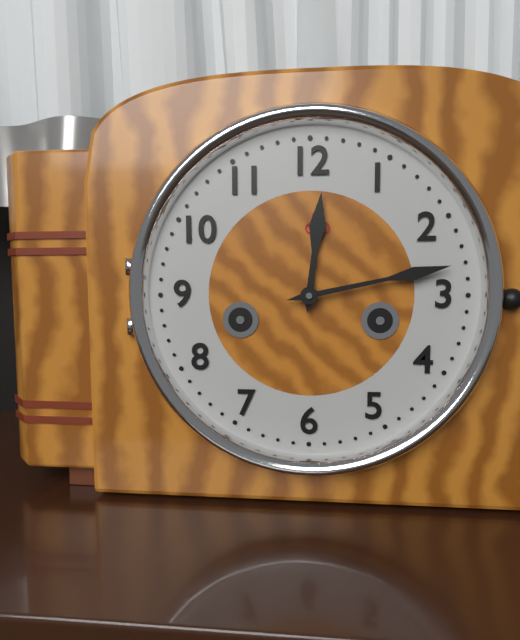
12:13
